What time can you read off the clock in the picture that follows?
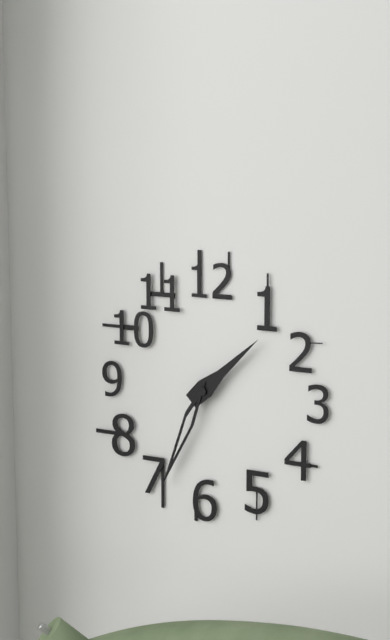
1:34
